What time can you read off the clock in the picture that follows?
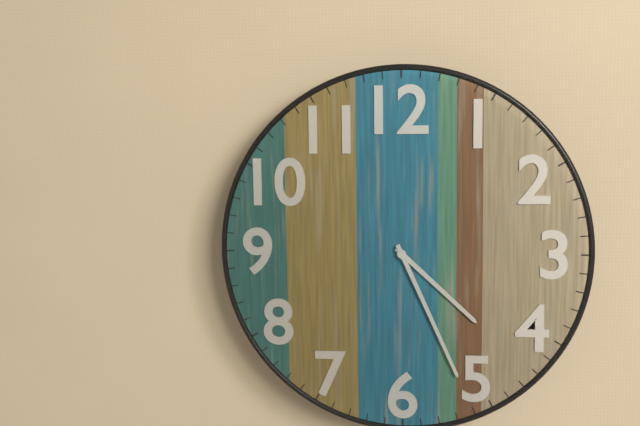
4:26
